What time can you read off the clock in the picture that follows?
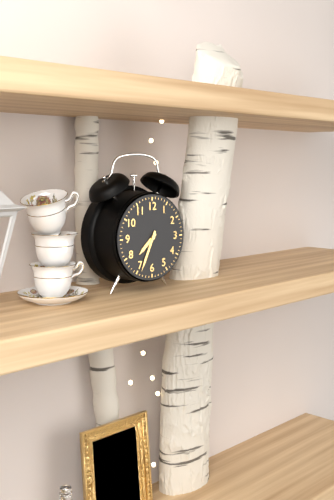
7:34
